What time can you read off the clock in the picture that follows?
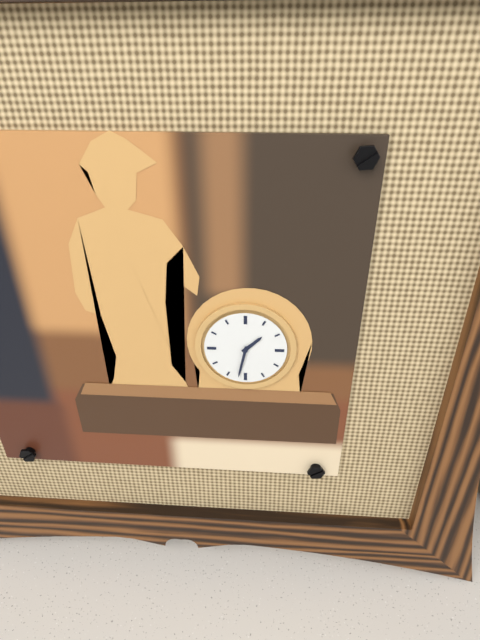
1:32
